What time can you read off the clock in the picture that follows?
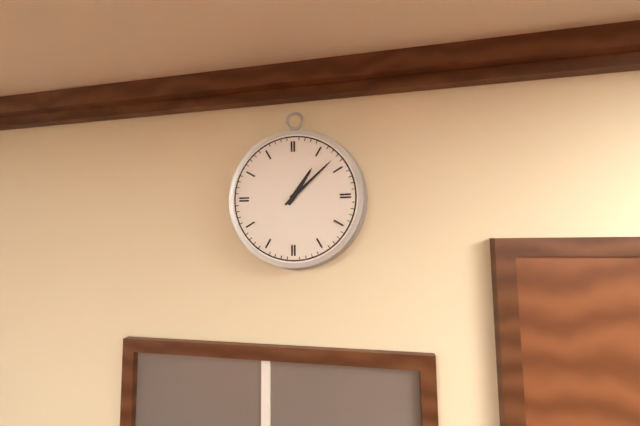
1:08
